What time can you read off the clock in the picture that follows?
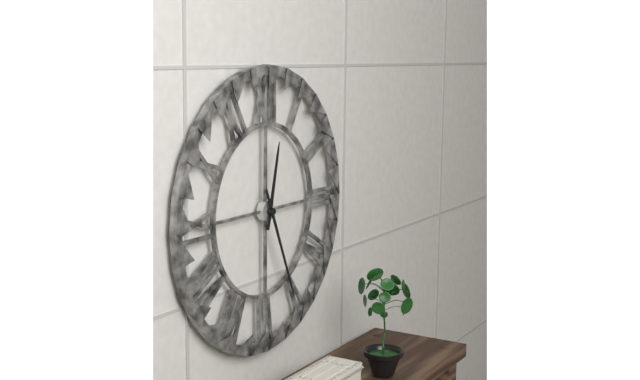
12:26
